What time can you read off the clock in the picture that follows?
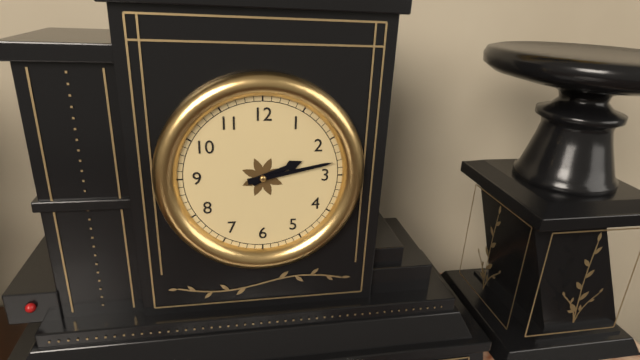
2:13
